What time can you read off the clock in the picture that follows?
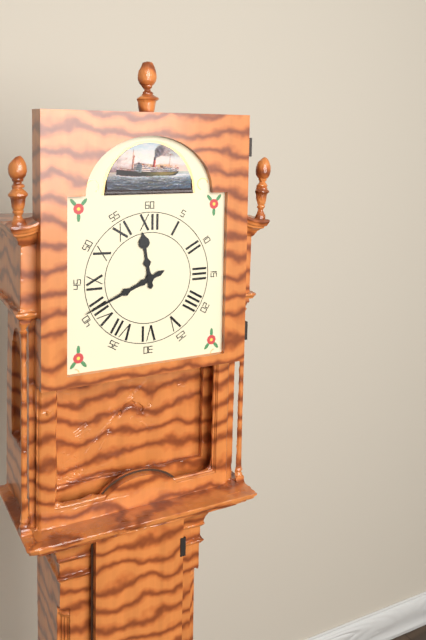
11:41
